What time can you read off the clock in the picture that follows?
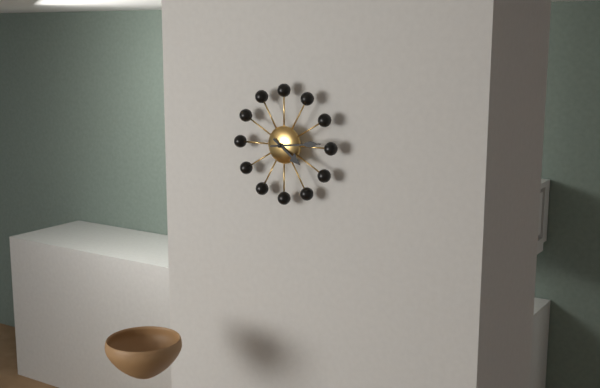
4:14
